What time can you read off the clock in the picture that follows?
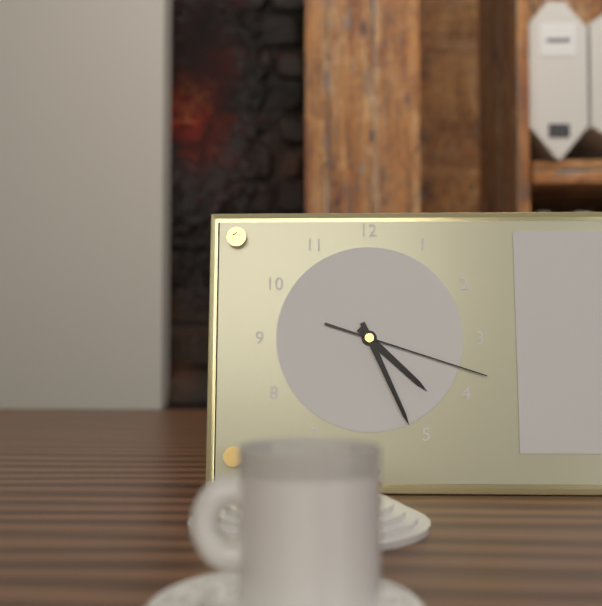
4:26:18
